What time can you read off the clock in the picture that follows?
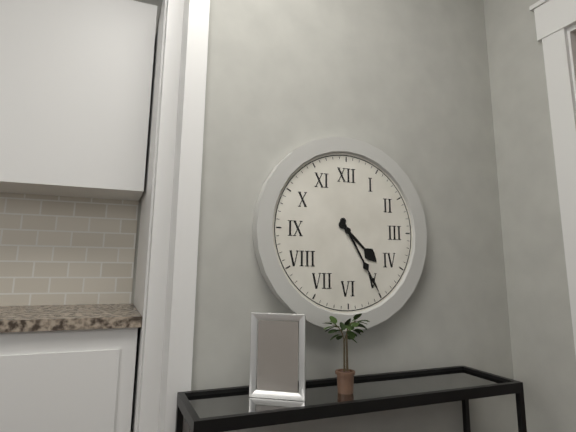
4:25
